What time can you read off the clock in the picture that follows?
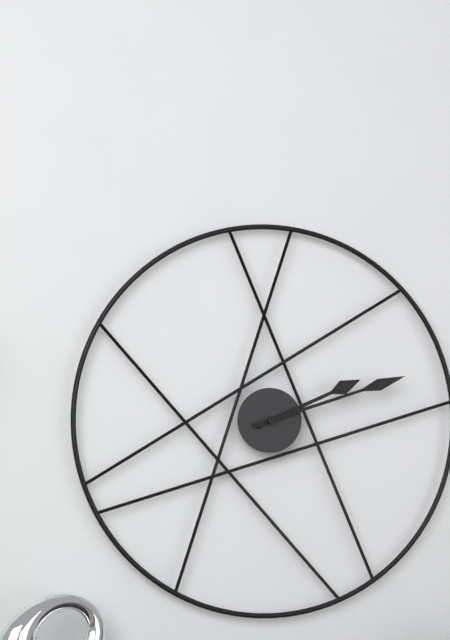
2:12
